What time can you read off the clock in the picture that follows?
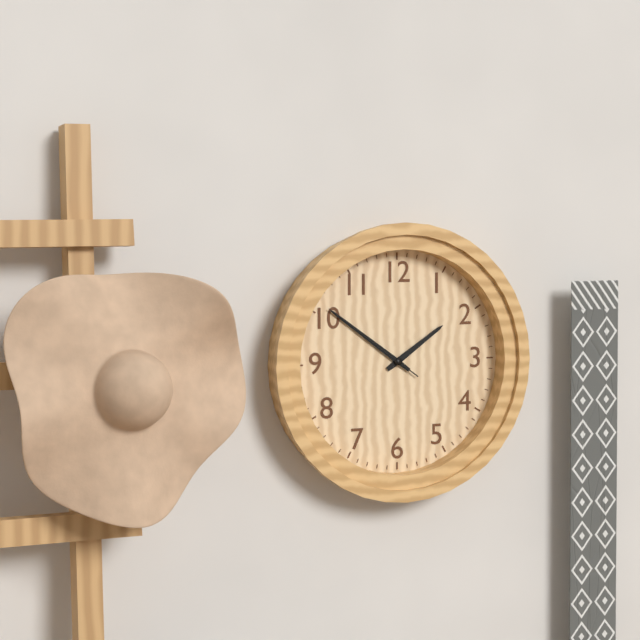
1:51:51
